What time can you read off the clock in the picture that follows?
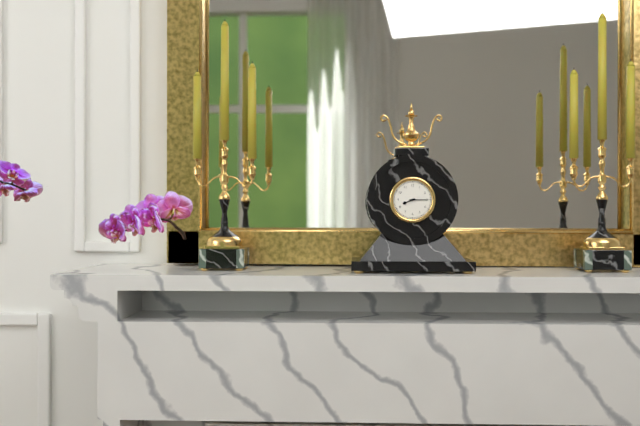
8:15
